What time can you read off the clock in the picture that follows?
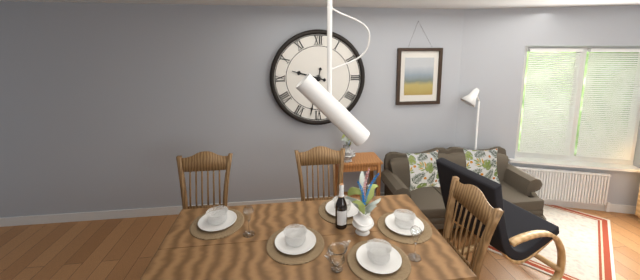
9:32
